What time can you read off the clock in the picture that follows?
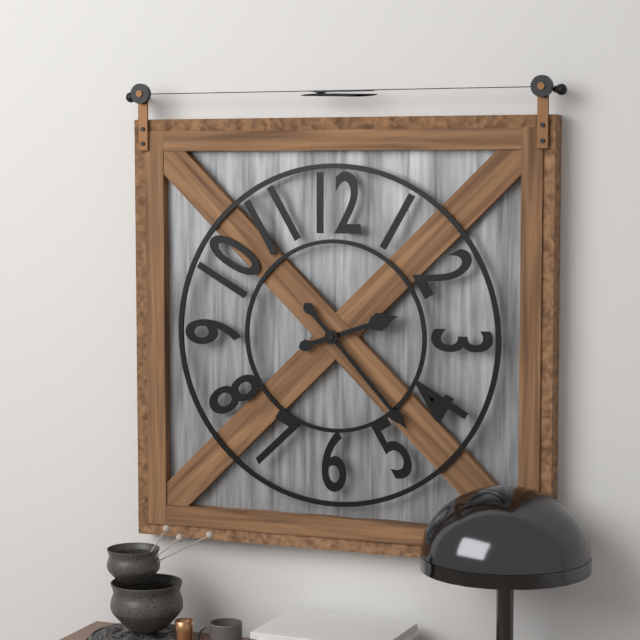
2:23
